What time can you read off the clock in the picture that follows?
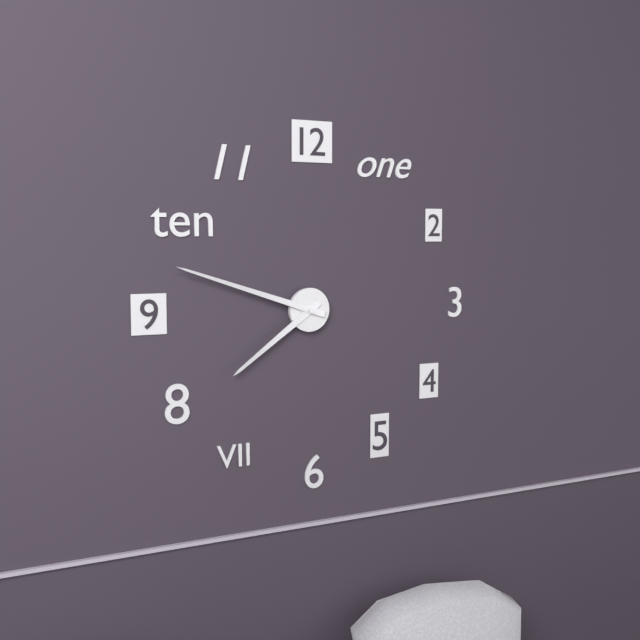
7:48
